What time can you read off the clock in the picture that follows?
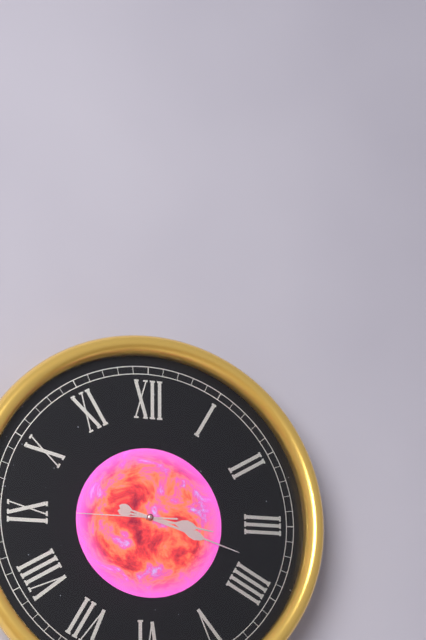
3:18:45
